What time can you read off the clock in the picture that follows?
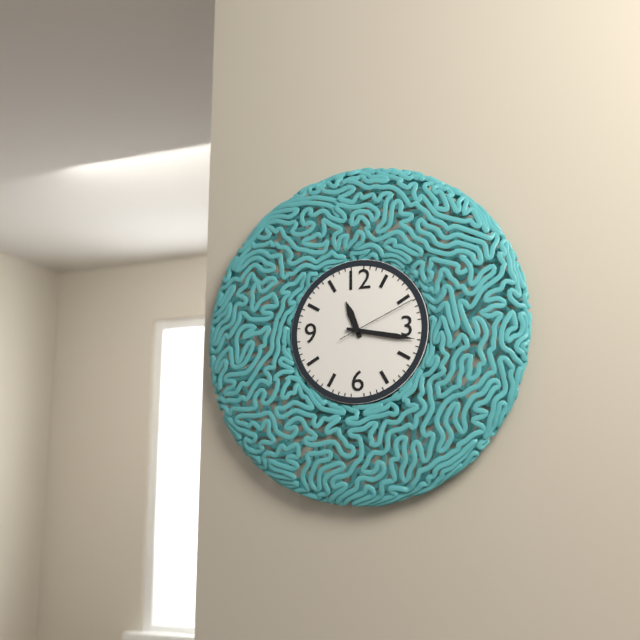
11:17:11
